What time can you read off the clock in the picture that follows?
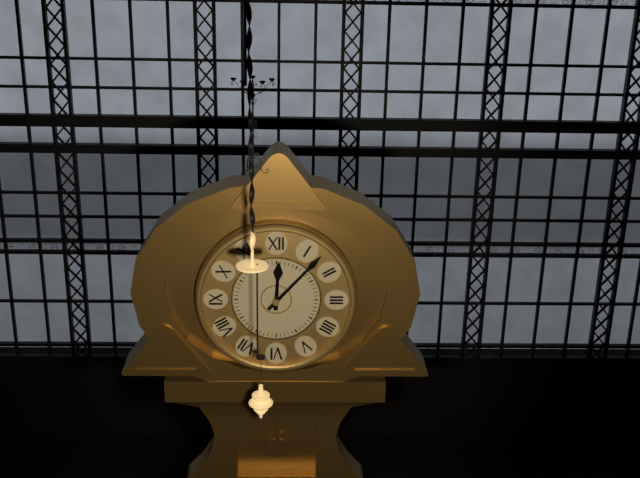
12:07
